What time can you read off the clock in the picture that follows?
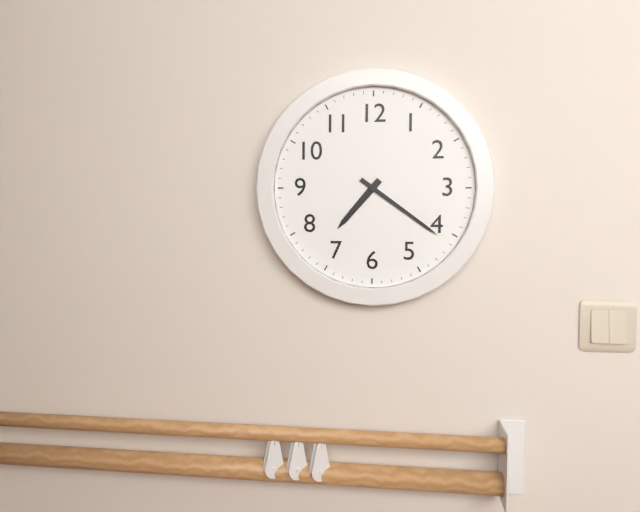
7:21
